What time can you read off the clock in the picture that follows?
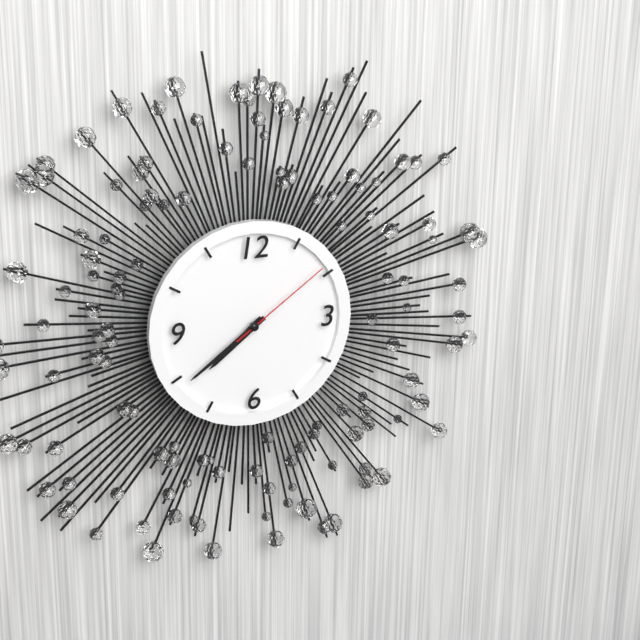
7:39:09
